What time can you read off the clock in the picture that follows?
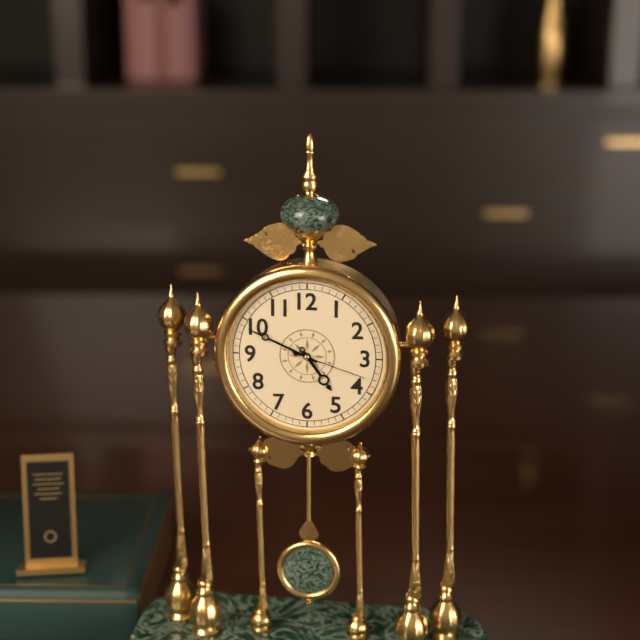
4:49:18
